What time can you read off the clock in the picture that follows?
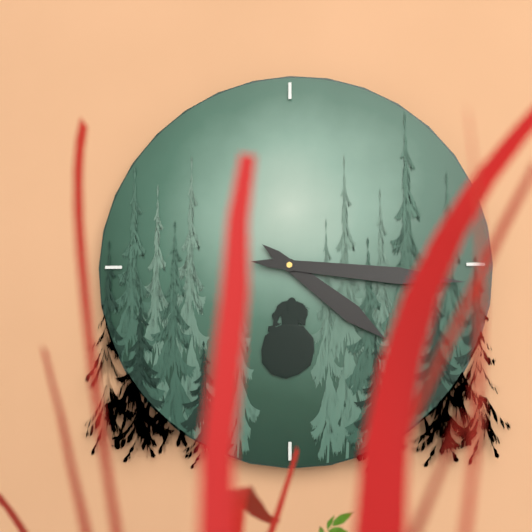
4:16
